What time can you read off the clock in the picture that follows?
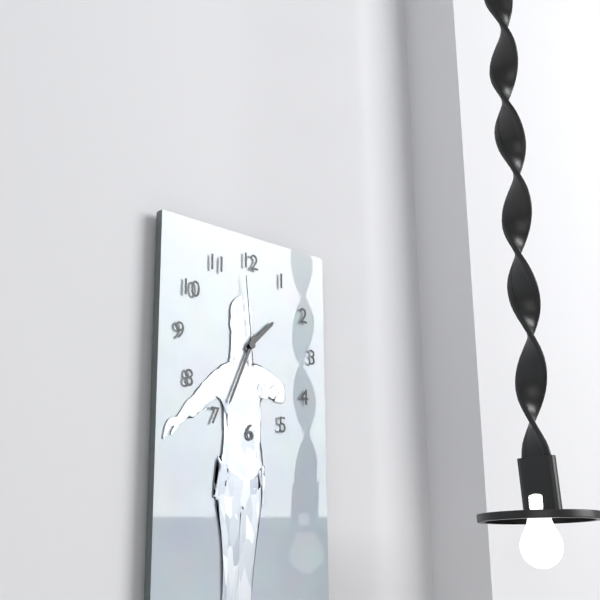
1:34:59
